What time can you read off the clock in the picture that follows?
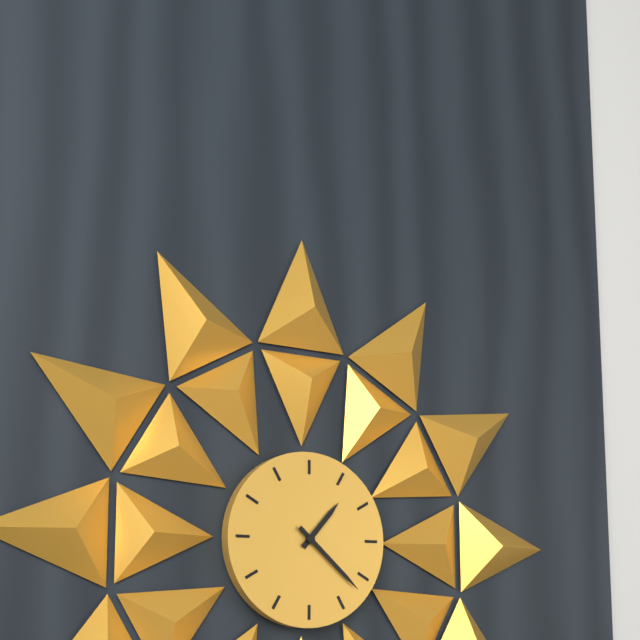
1:22
